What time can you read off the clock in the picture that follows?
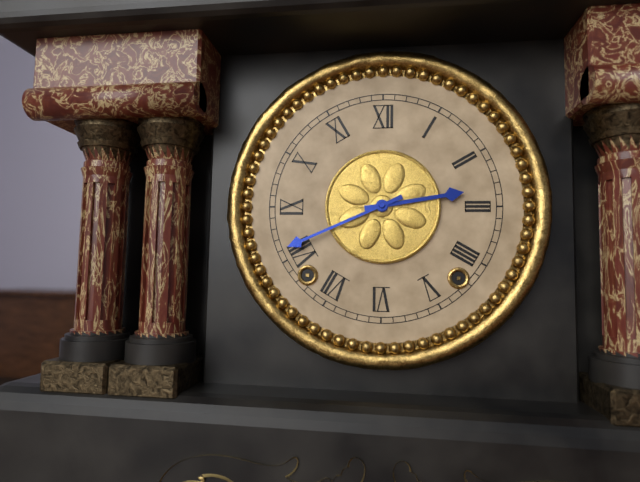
2:41
